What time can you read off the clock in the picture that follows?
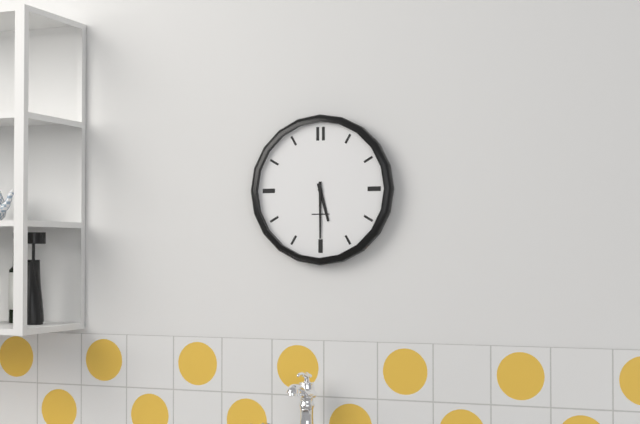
5:30
